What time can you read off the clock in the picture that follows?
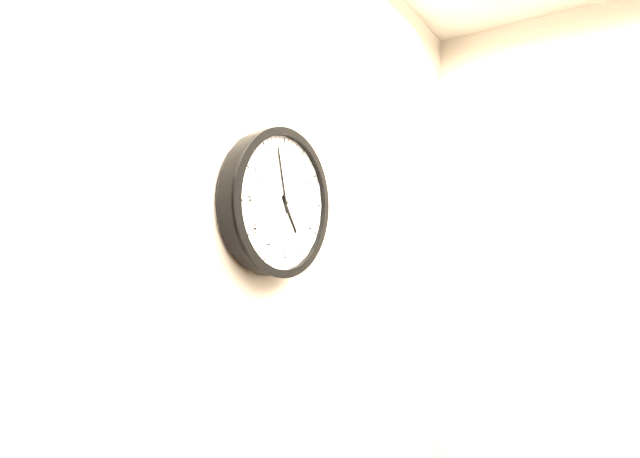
4:58
